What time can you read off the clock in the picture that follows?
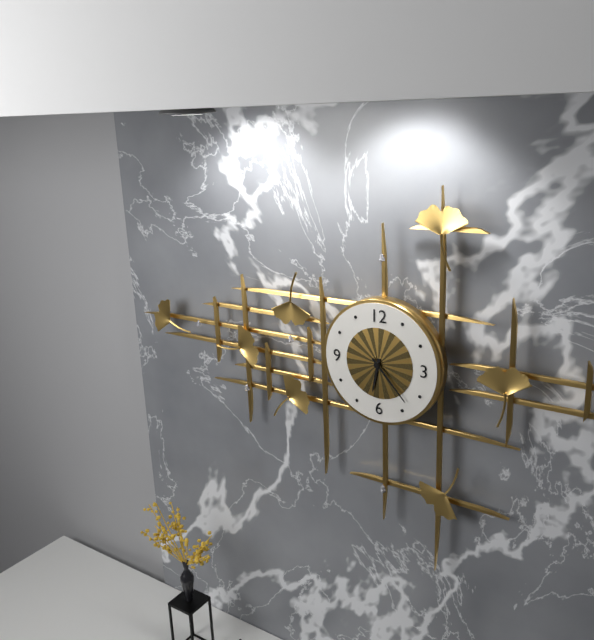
6:23
